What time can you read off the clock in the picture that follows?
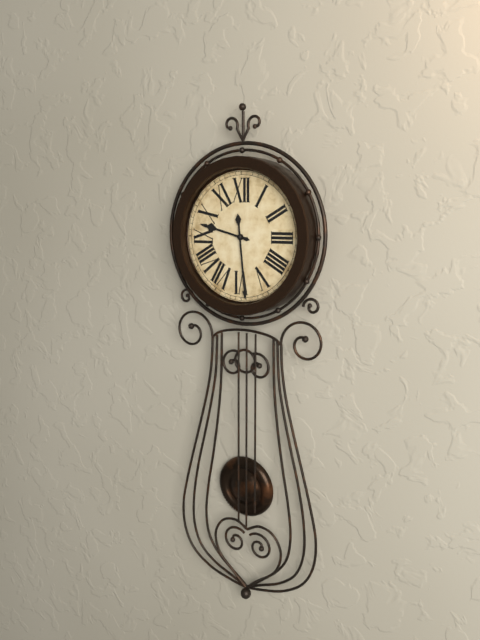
9:29
